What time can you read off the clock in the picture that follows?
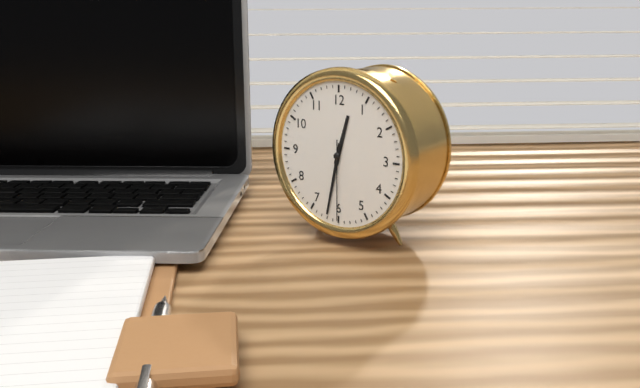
12:32:30
